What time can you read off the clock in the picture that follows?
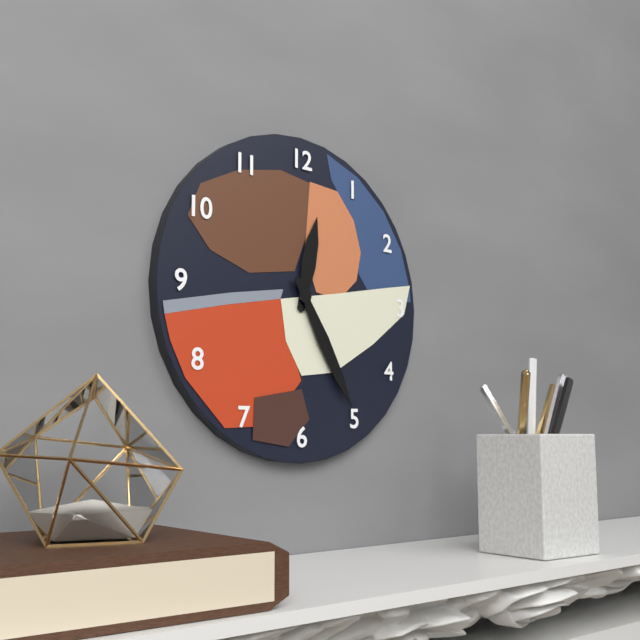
12:25
